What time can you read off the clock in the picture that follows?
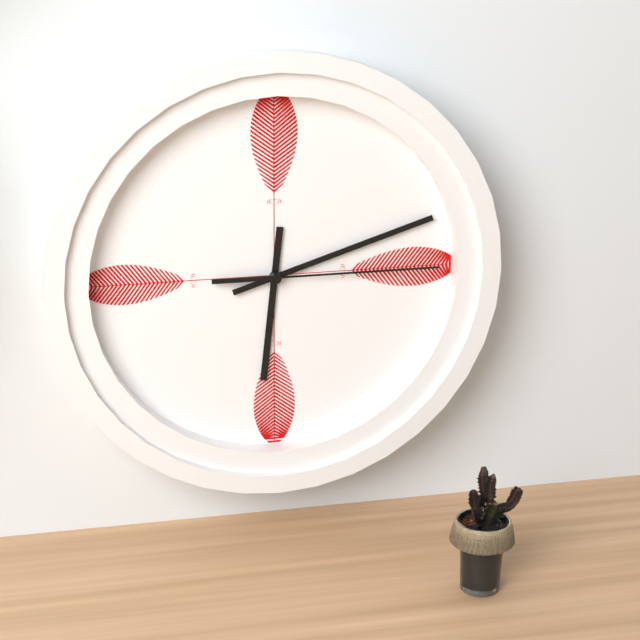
6:12:15
